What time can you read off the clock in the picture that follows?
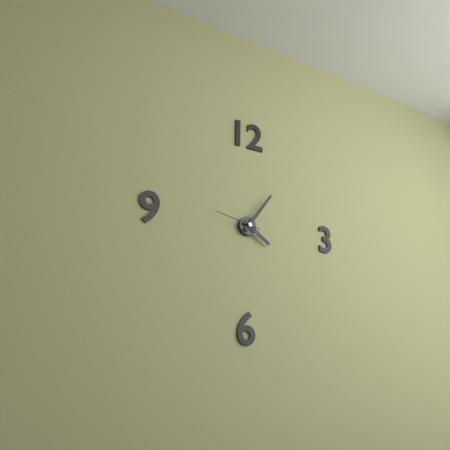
4:06
